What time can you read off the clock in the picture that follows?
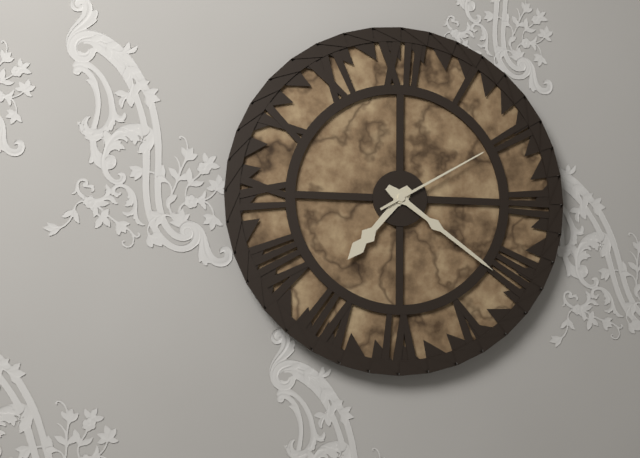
7:21:10
